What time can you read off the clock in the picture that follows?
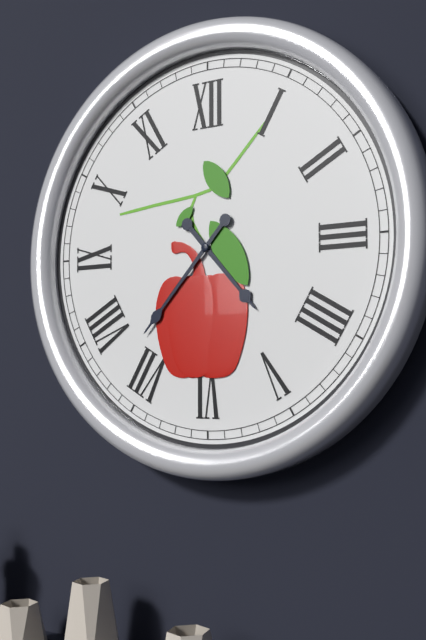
4:37
